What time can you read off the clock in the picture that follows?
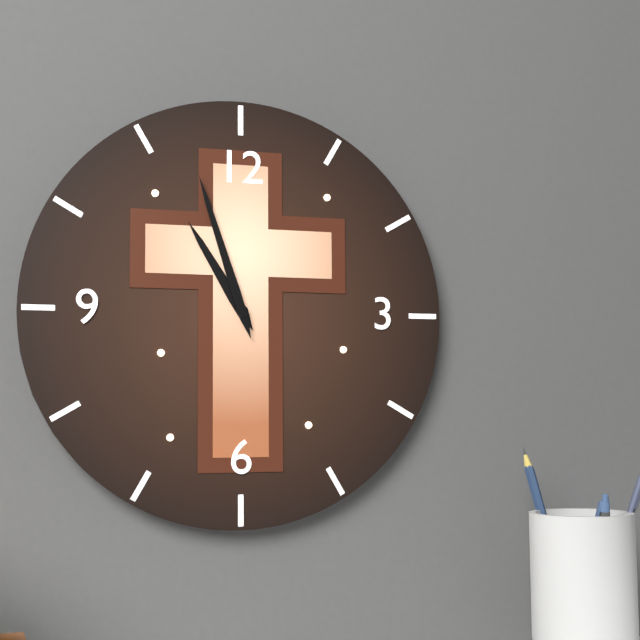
10:57
